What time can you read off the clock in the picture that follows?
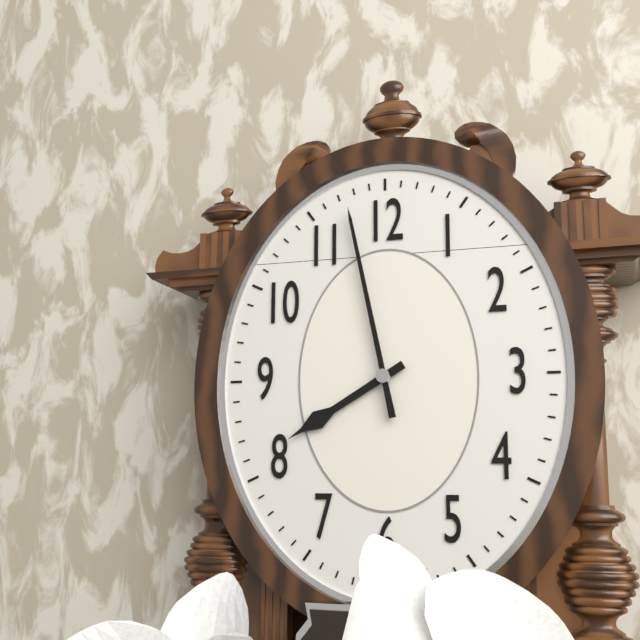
7:58
